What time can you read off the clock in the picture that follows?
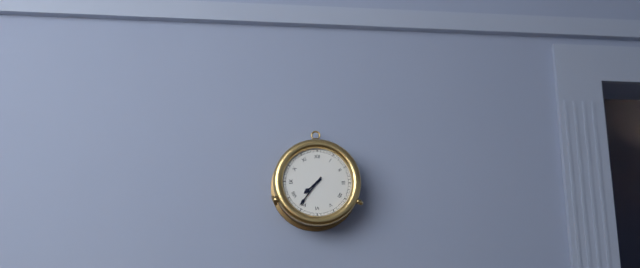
7:36
